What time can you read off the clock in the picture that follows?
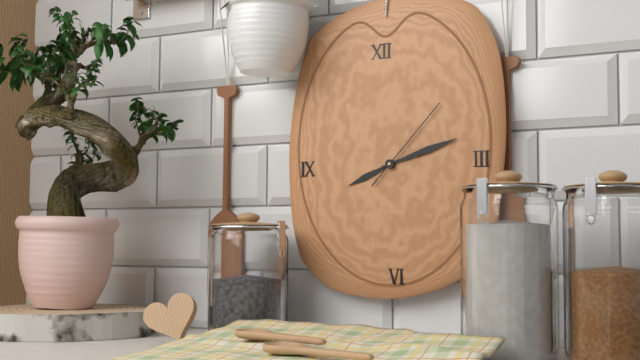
8:12:07
